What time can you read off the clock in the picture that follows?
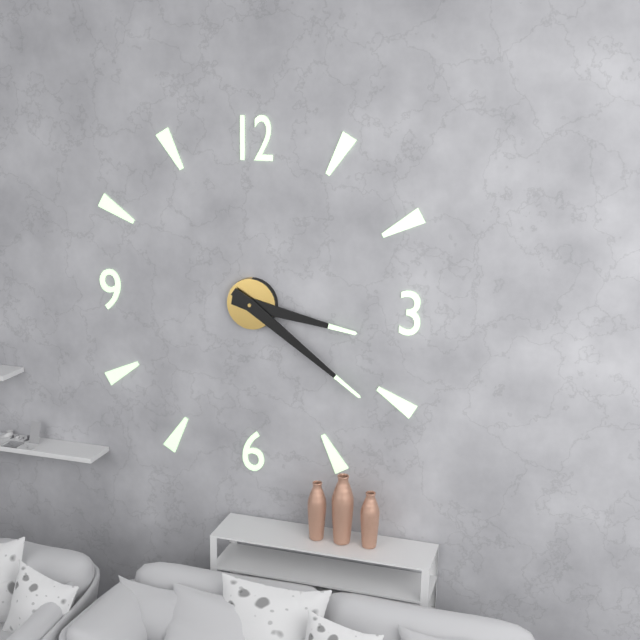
3:21
